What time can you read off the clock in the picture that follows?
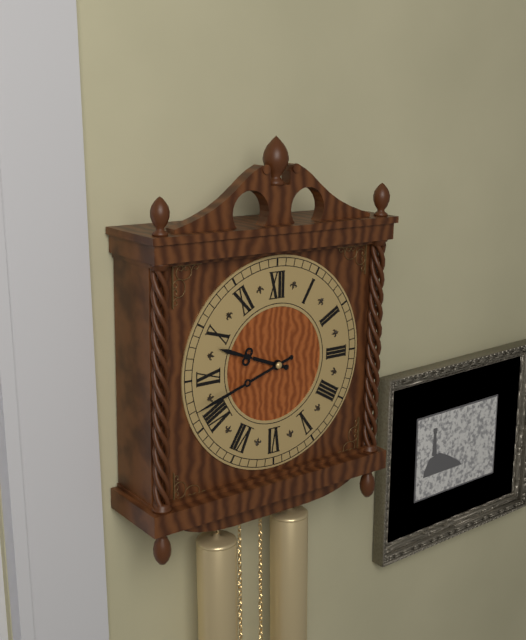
9:42
